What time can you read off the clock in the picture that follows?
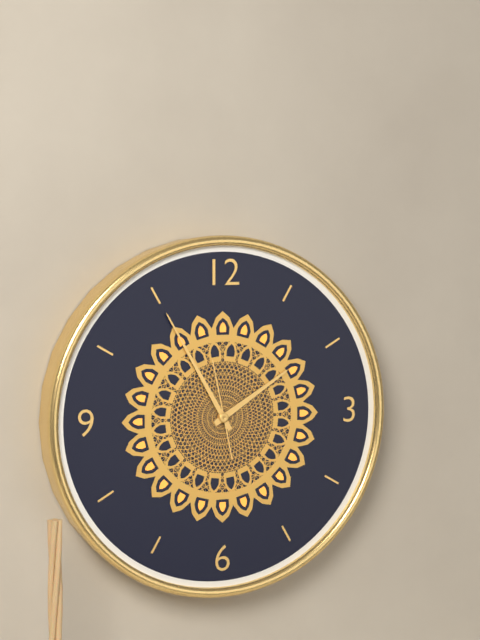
1:55:58
